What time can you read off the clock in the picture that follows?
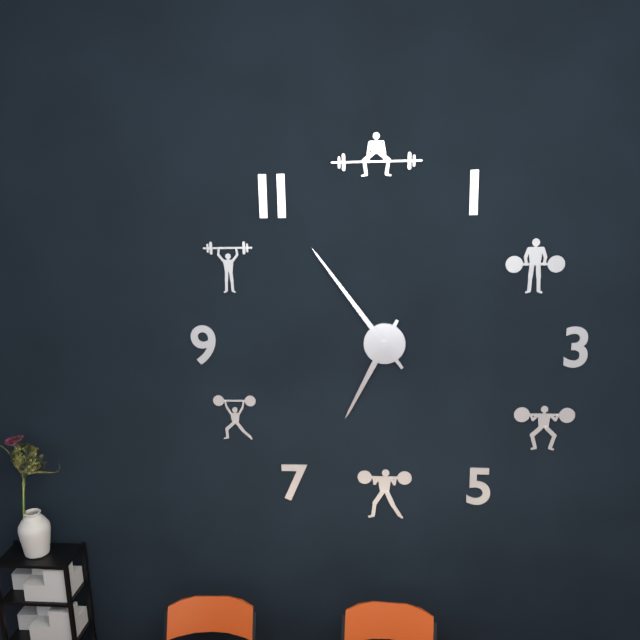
6:54
